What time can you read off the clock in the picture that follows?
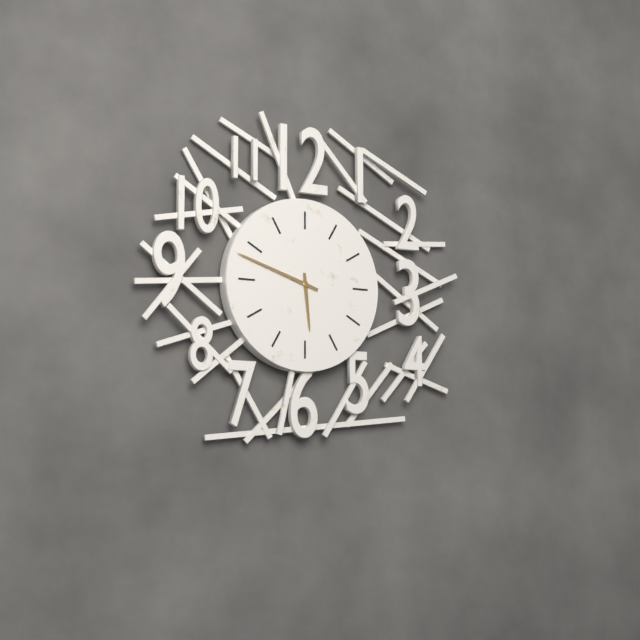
5:48
